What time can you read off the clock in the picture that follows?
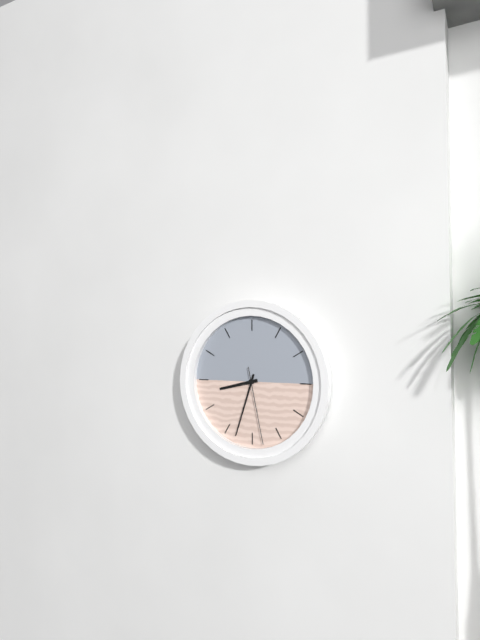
8:33:28
